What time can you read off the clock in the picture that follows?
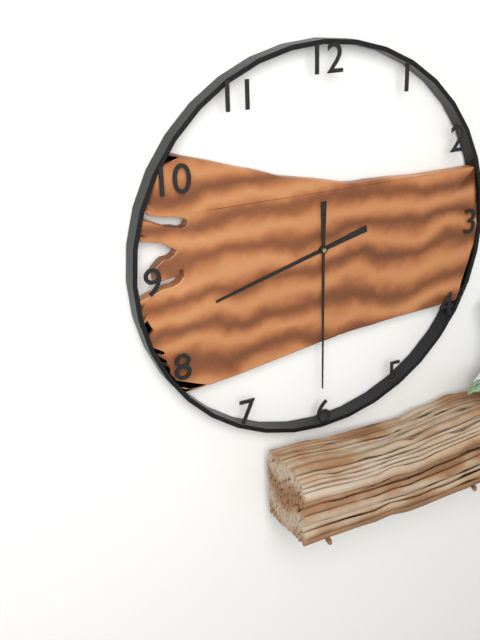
8:30
